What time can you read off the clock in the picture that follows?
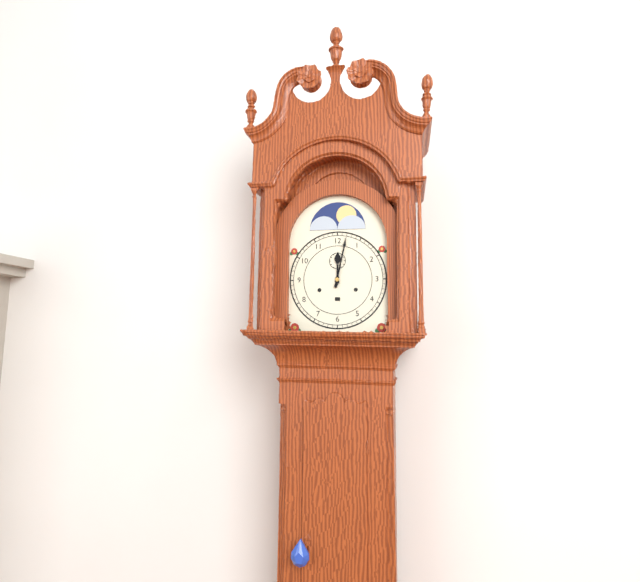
12:02
